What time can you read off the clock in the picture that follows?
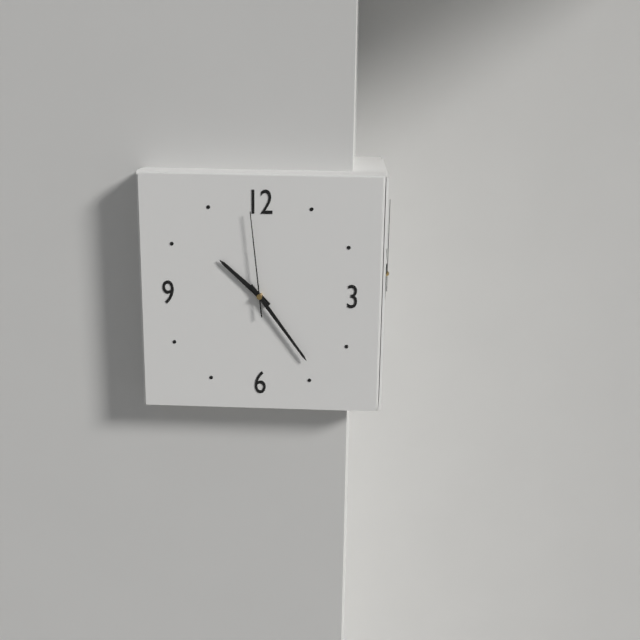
10:24:59
